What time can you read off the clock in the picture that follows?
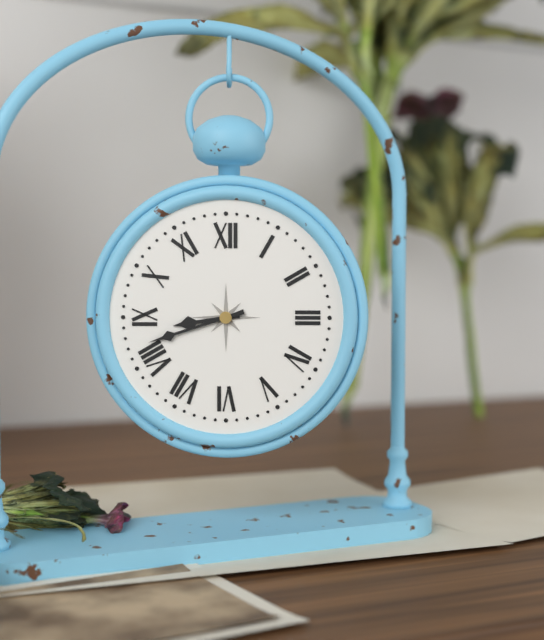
8:42
